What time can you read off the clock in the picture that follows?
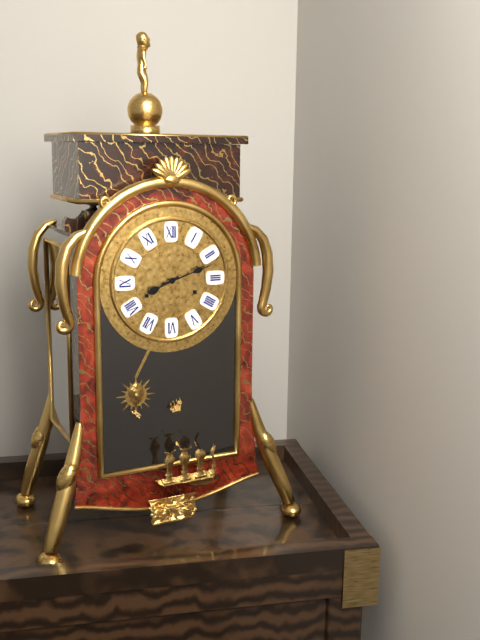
8:12
